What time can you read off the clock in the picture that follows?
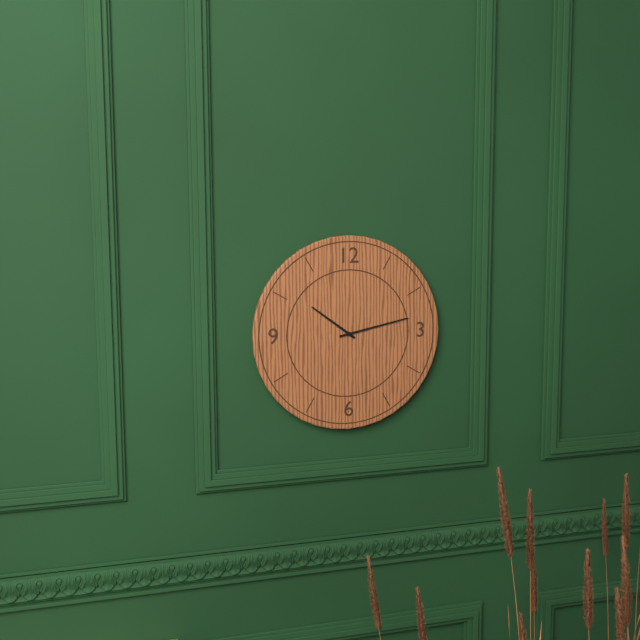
10:13
